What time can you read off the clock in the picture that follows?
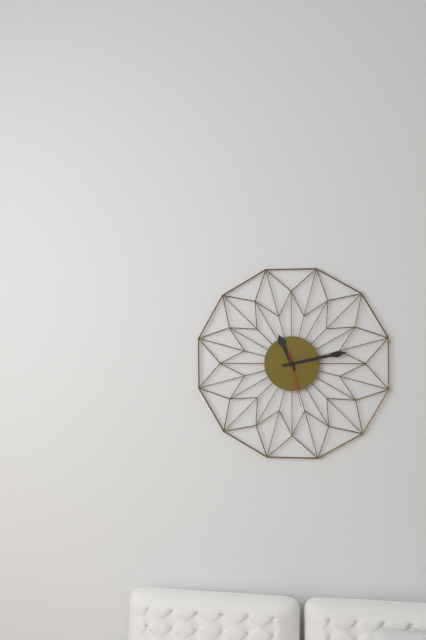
11:13:28
